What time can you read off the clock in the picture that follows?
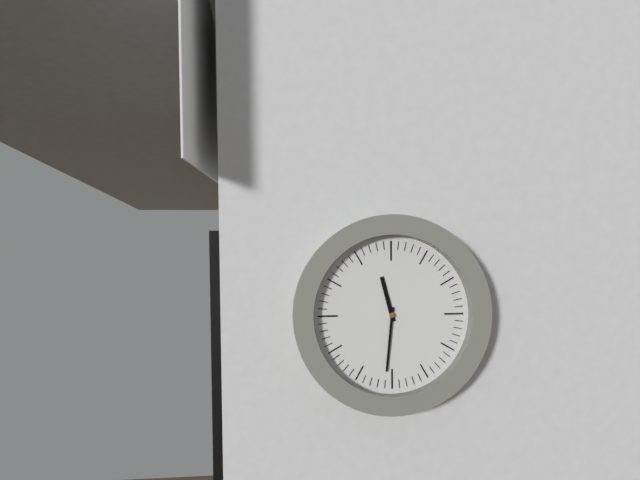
11:31
